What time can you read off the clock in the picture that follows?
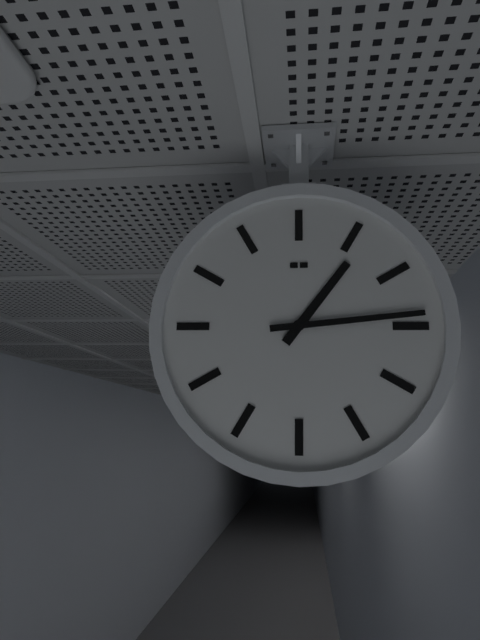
1:14
